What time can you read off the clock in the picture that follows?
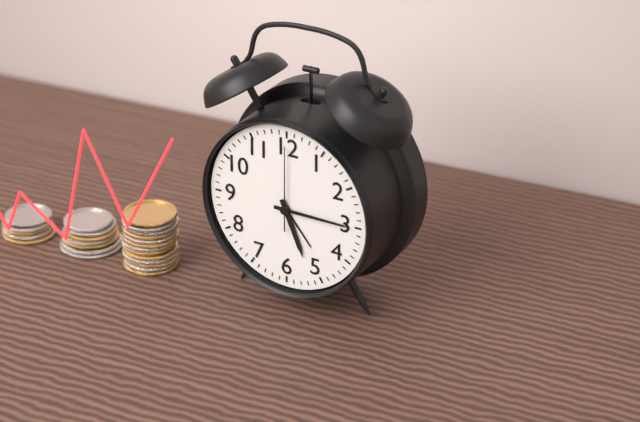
5:15:00
